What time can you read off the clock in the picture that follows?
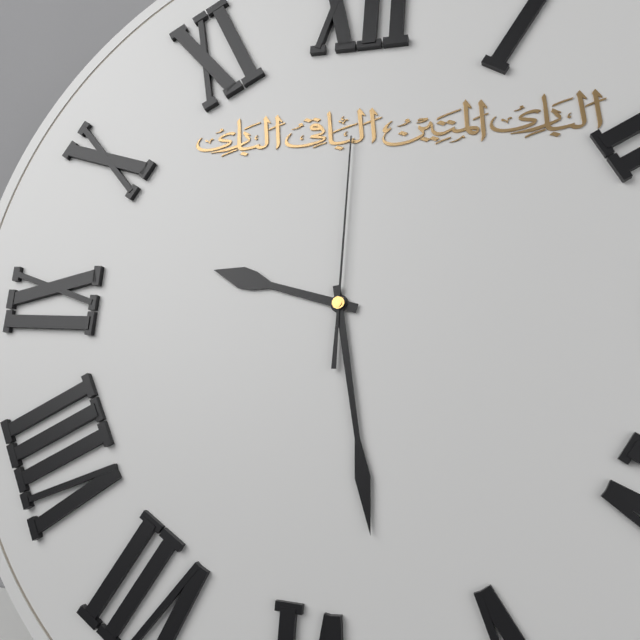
9:28:00
